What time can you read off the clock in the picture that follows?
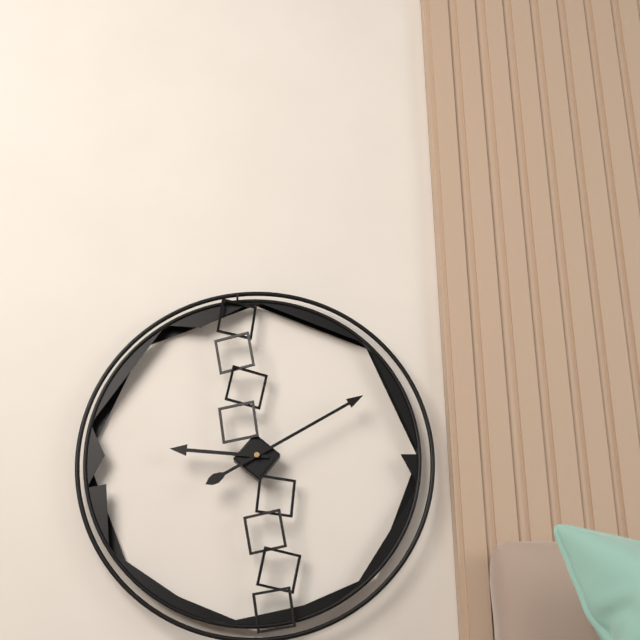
9:10
